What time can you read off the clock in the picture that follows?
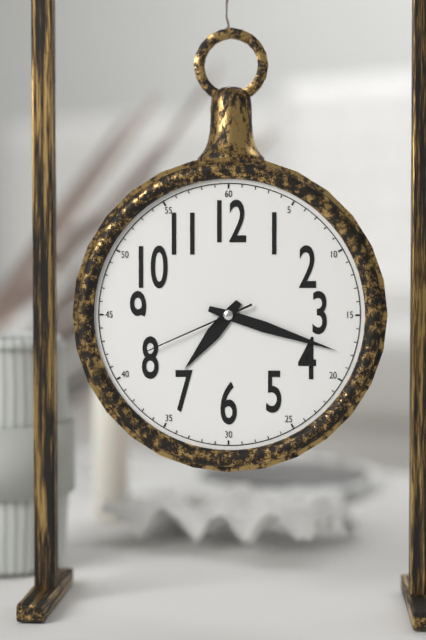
7:18:41
